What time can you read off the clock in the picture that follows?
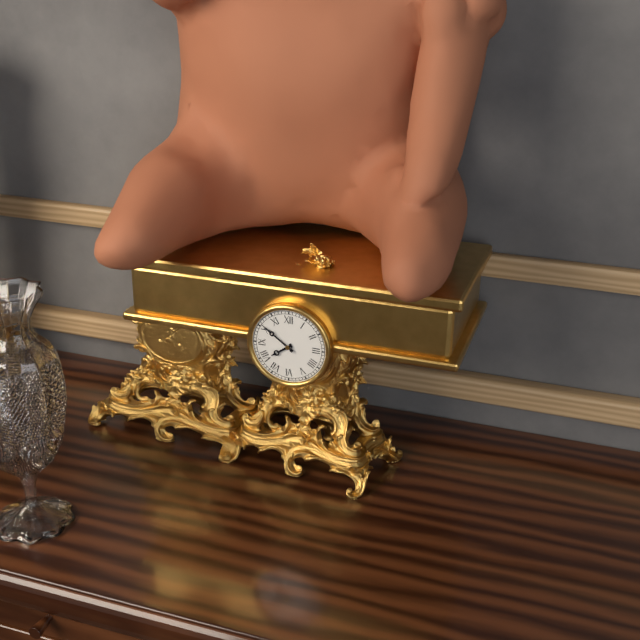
7:51
